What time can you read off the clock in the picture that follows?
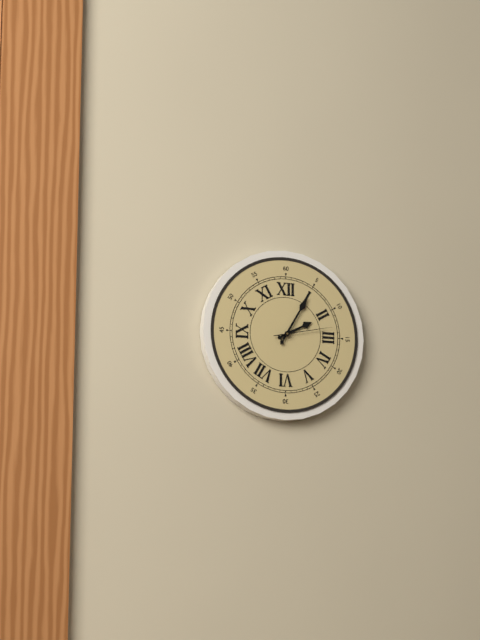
2:05:13
